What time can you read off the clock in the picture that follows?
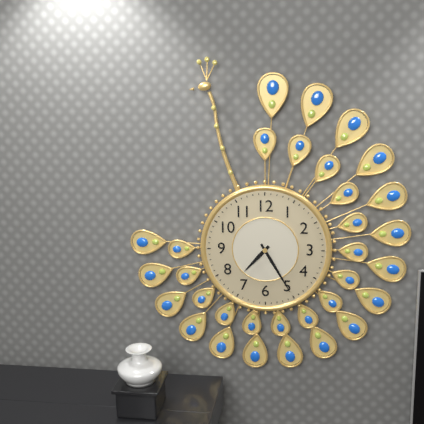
7:25
